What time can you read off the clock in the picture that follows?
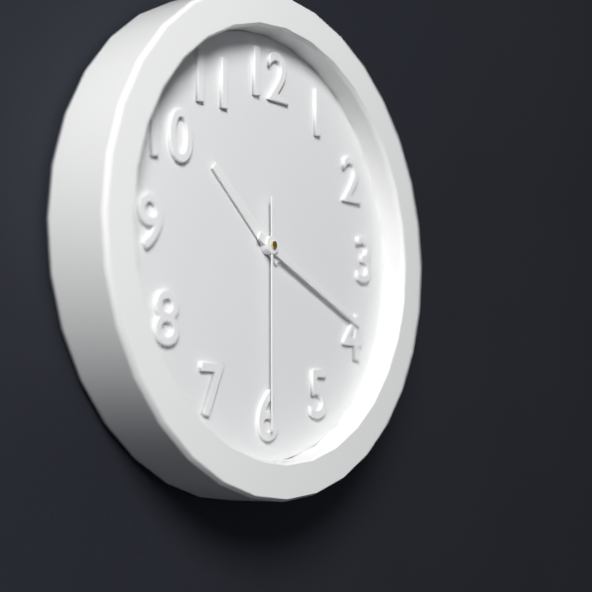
10:19:30
